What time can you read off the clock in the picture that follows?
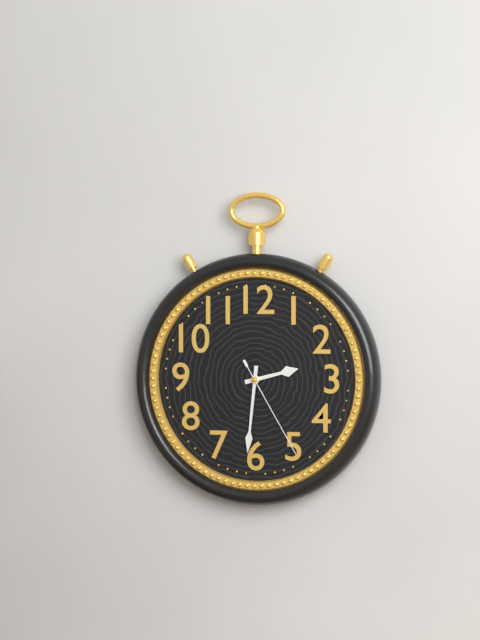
2:31:25
